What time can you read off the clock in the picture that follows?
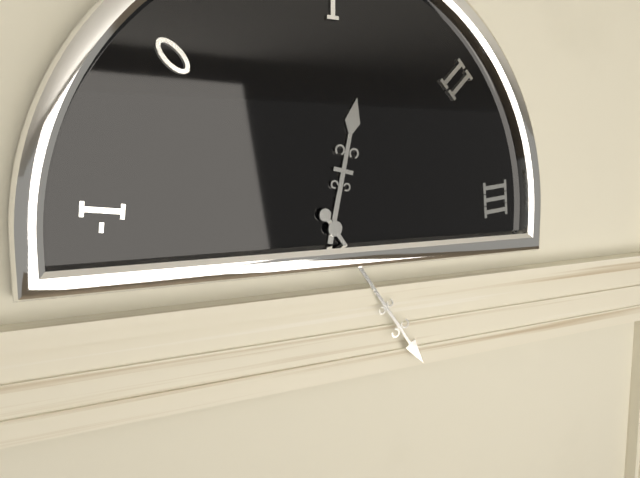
12:24
